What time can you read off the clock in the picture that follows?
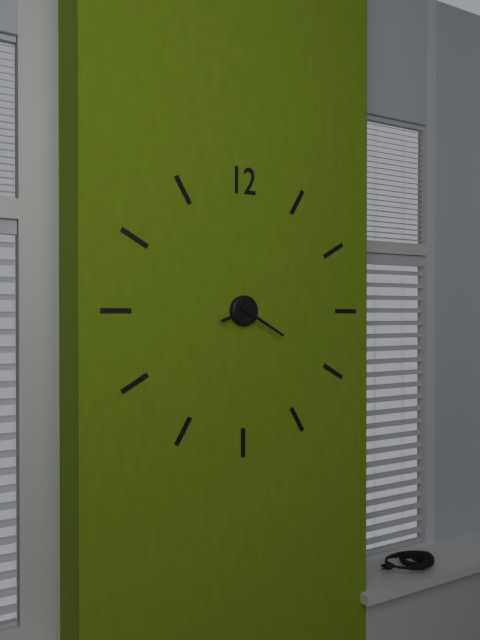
8:20
